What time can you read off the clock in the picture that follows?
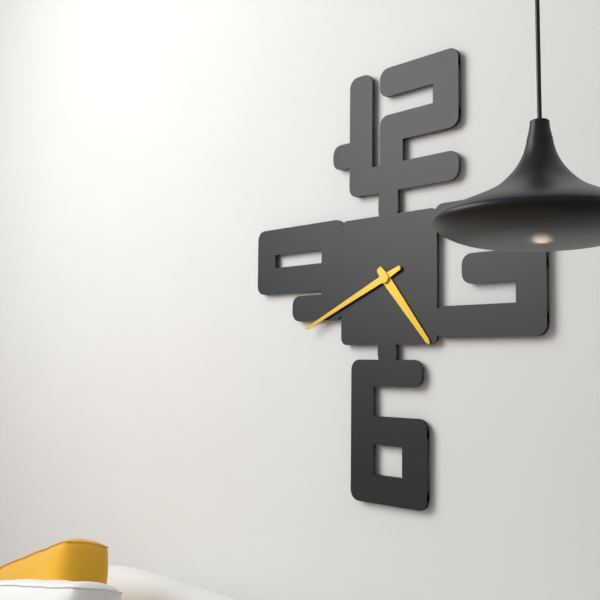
4:41
